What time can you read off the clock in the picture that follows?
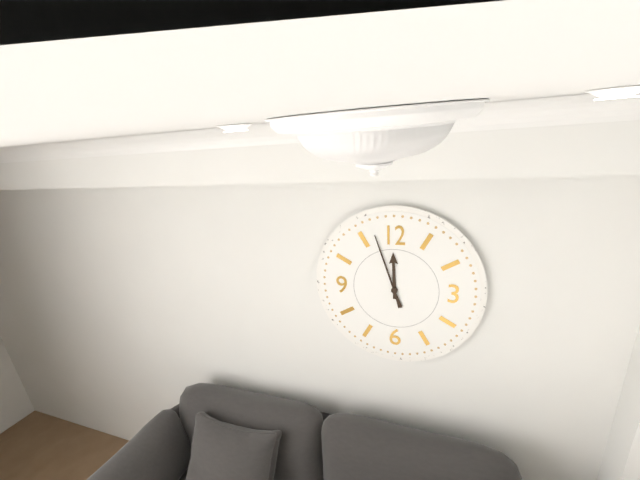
11:57
